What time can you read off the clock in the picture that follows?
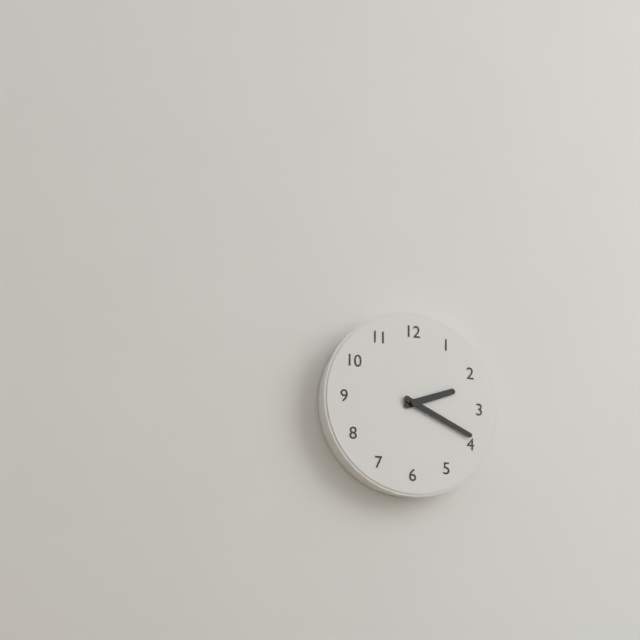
2:19
